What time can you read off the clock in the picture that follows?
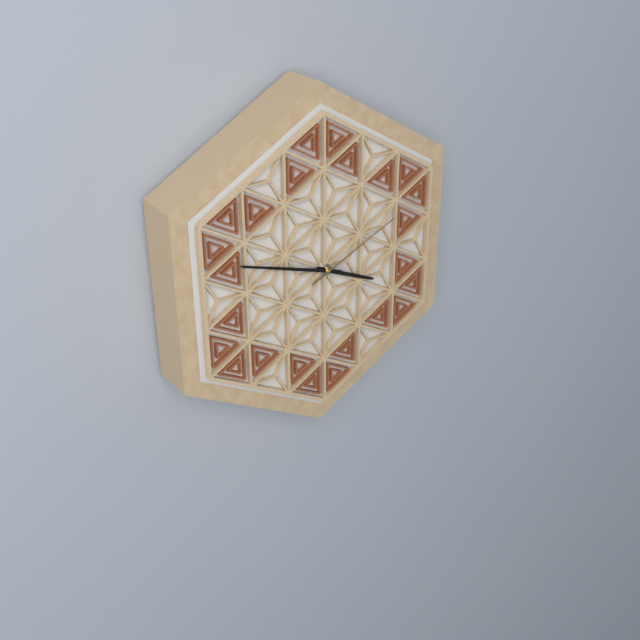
3:48:11
